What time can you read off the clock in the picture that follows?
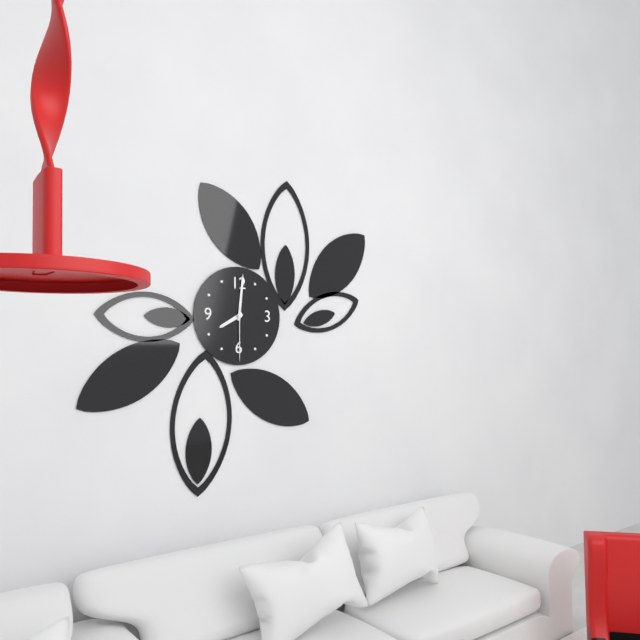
8:01:30
